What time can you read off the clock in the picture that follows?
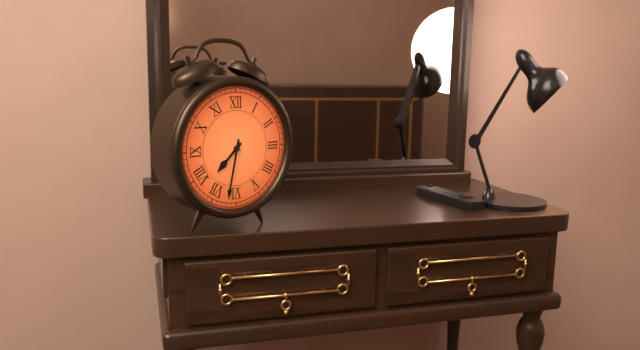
7:32
